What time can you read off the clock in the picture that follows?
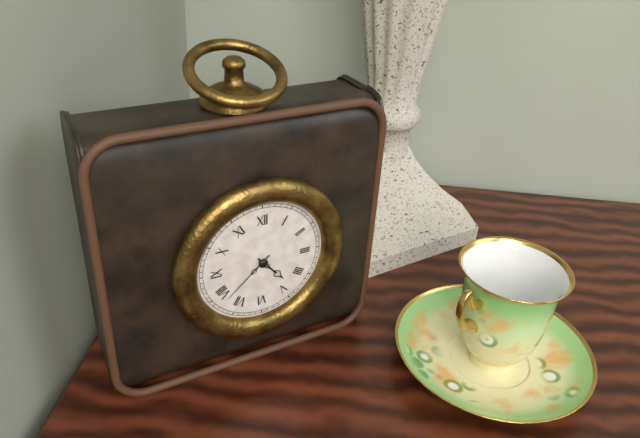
4:38
